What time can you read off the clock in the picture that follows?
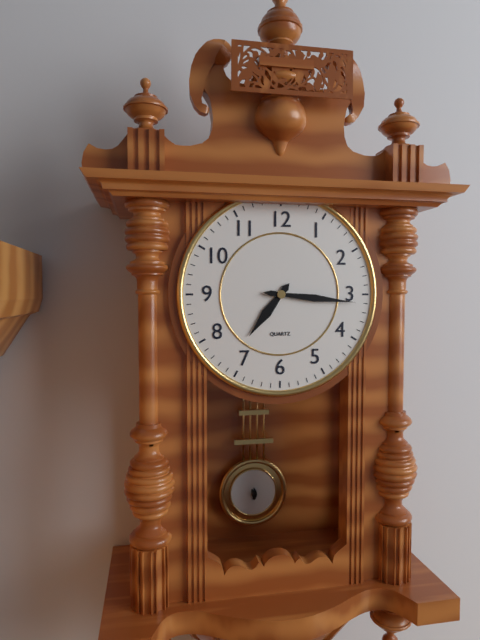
7:16
